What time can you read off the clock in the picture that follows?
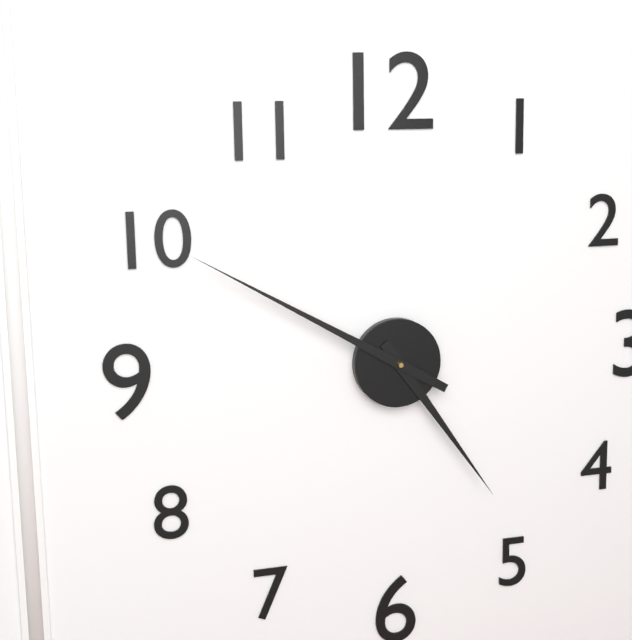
4:50
